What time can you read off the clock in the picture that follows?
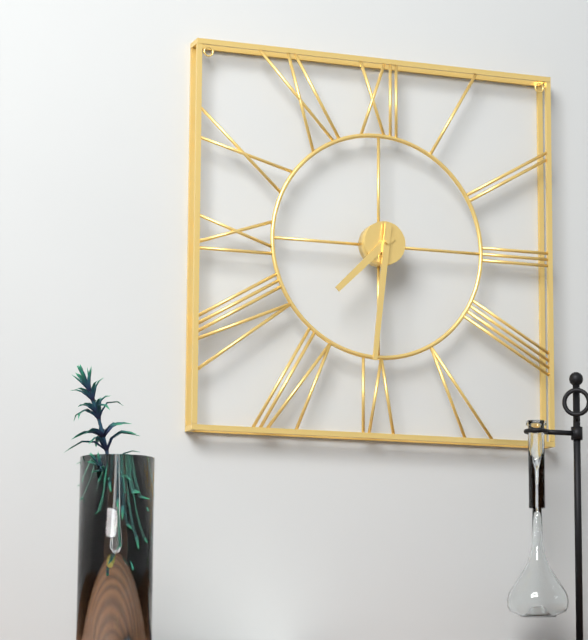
7:31
